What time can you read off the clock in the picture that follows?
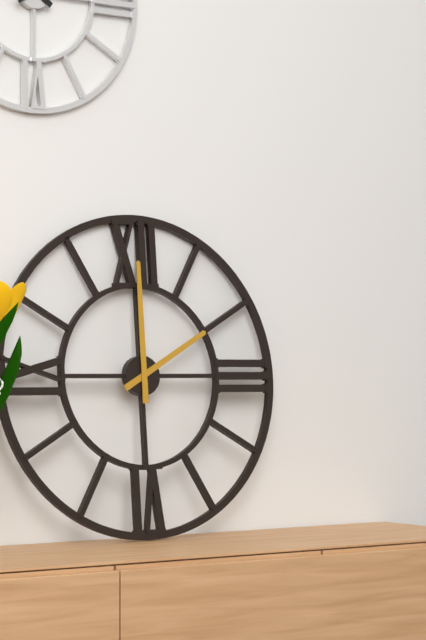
2:00
